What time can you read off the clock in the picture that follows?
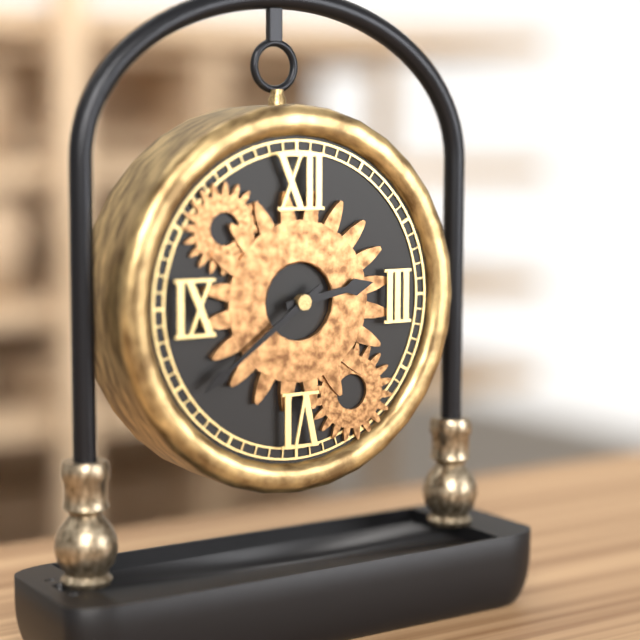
2:39
